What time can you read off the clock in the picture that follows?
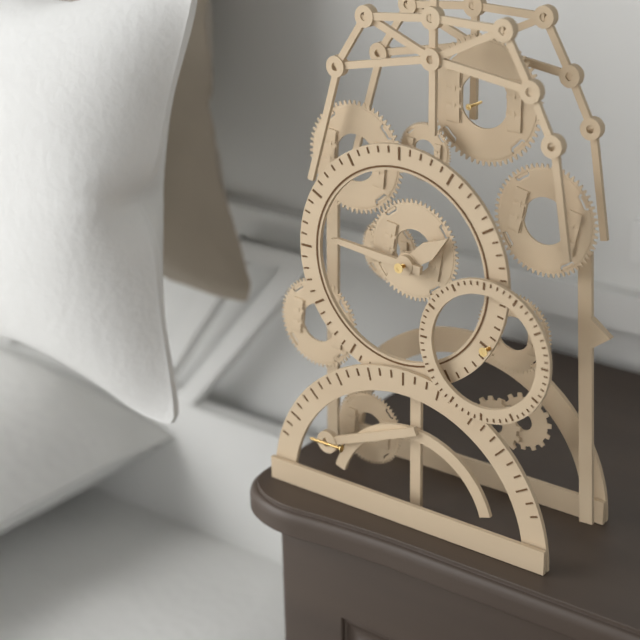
1:46
